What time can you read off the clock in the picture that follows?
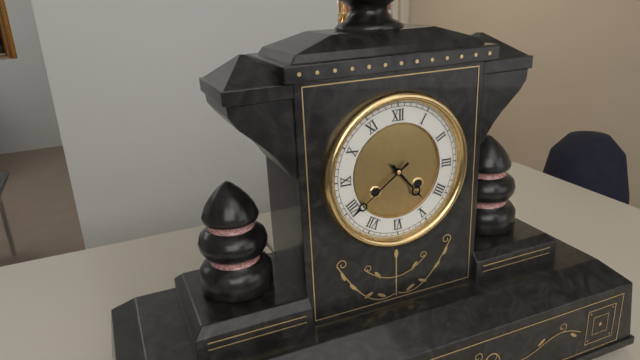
4:39
